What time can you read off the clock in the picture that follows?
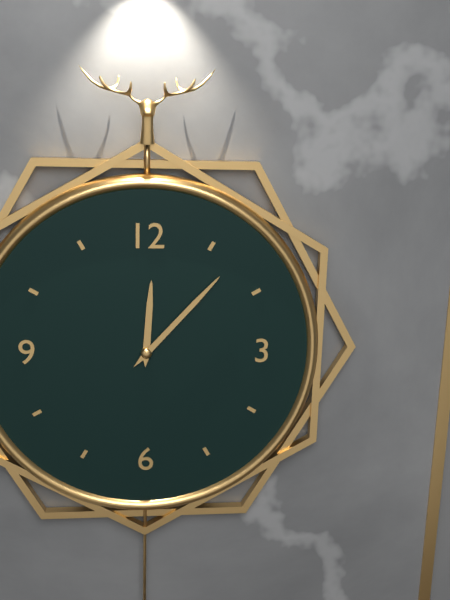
12:07
